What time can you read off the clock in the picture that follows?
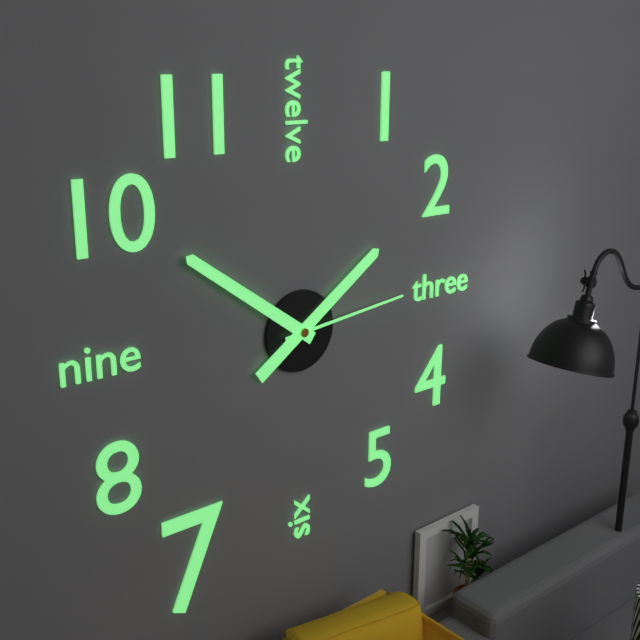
1:51:14
